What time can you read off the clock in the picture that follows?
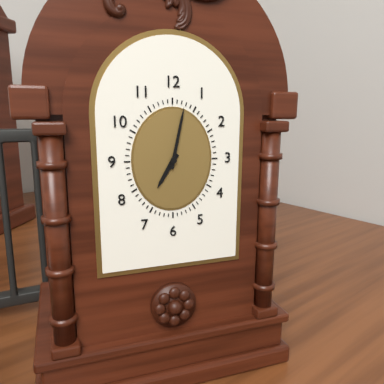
7:02
